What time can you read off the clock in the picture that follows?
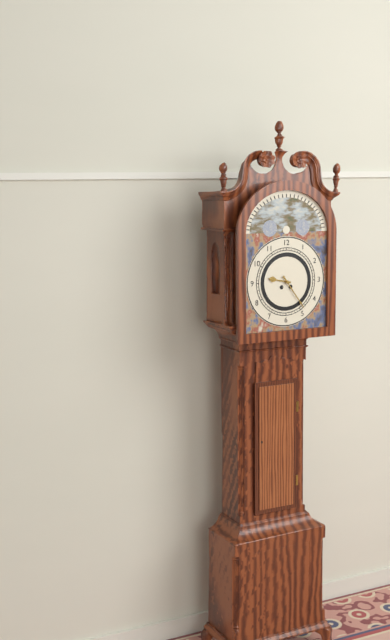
9:24
